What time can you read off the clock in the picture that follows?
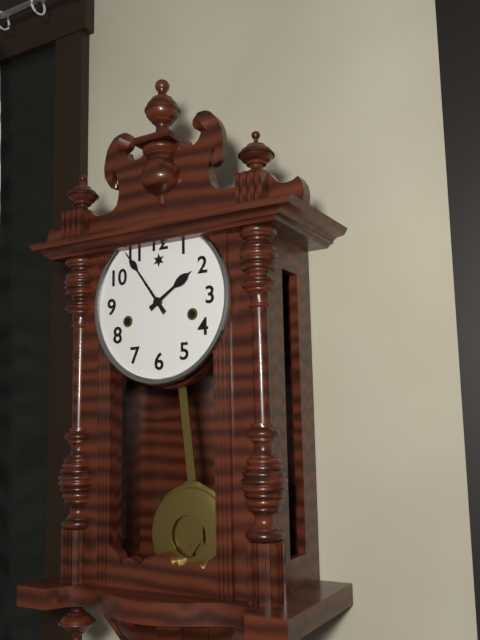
1:54
